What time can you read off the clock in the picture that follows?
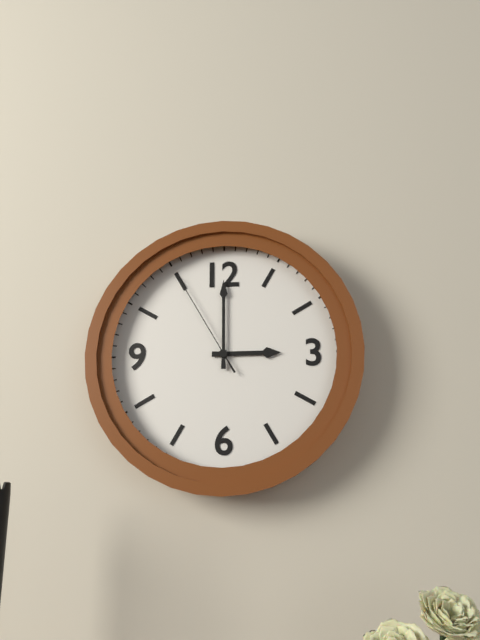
3:00:55
